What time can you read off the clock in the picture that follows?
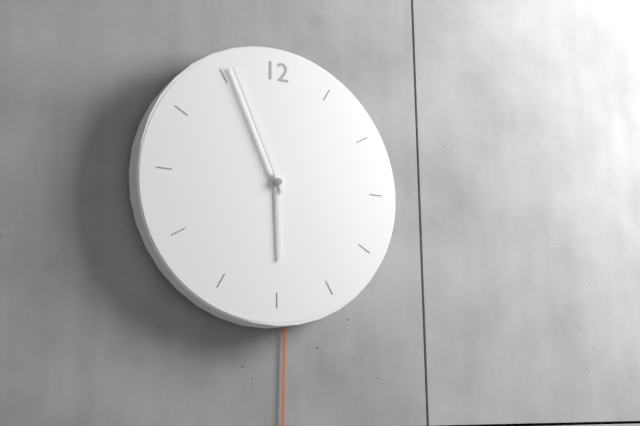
5:56
